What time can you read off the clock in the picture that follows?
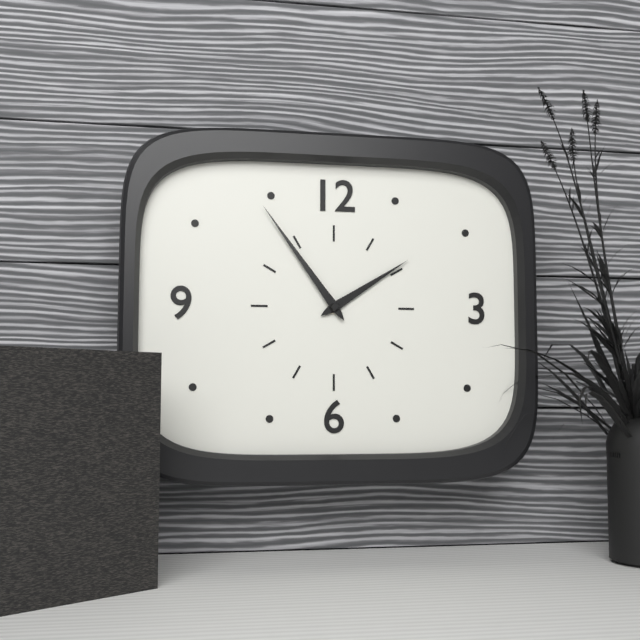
1:54
